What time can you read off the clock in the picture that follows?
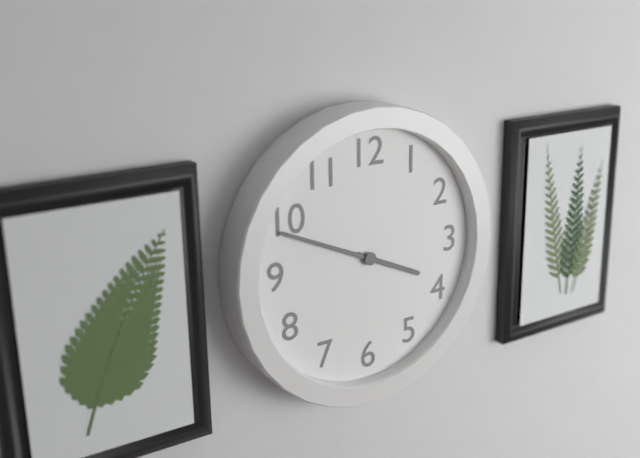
3:49
